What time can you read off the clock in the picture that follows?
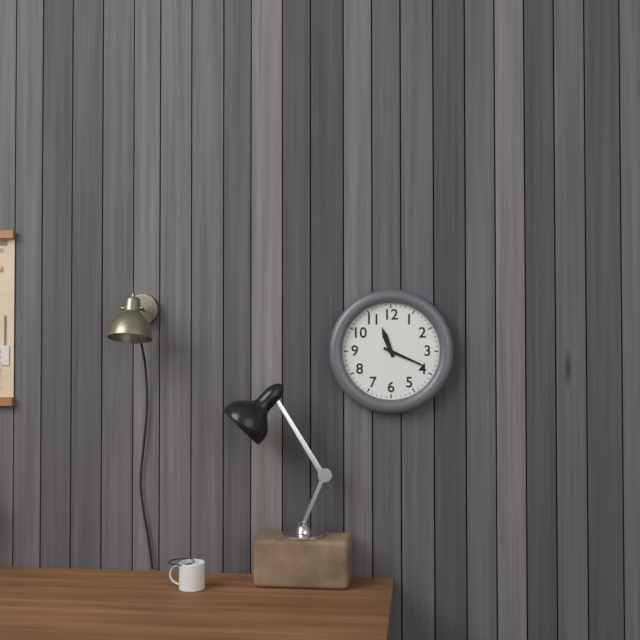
11:19
